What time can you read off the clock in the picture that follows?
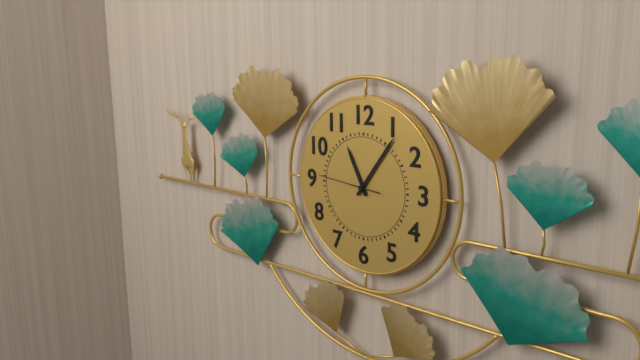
11:06:46
